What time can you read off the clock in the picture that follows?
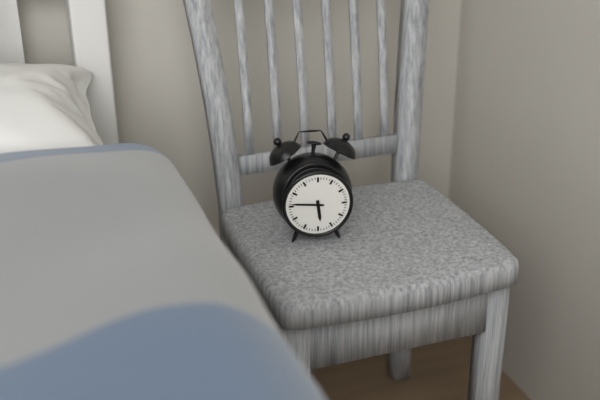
5:46
